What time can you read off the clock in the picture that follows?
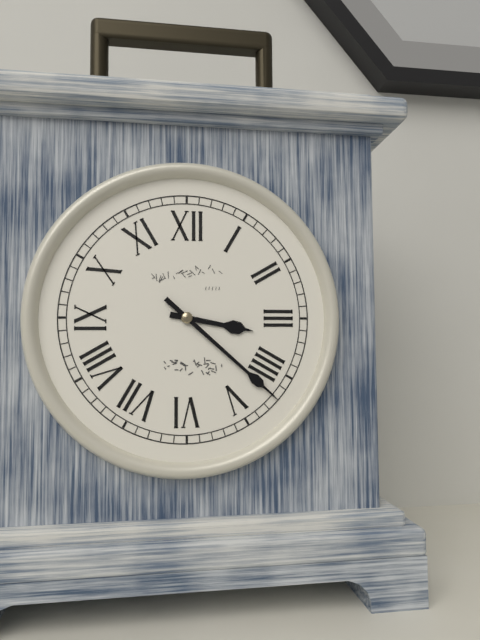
3:22
